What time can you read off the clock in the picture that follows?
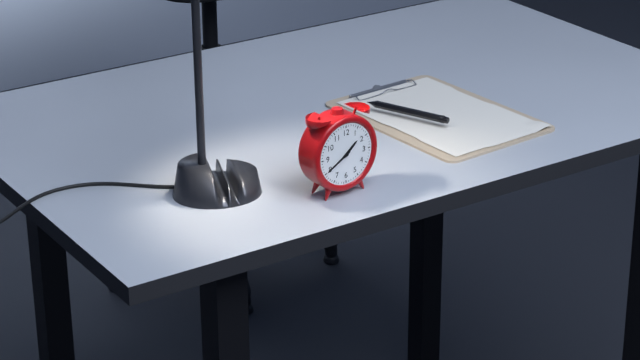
1:40
